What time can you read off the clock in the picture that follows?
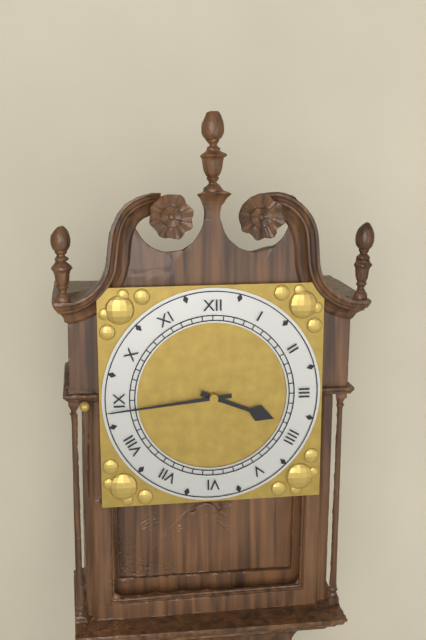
3:44
